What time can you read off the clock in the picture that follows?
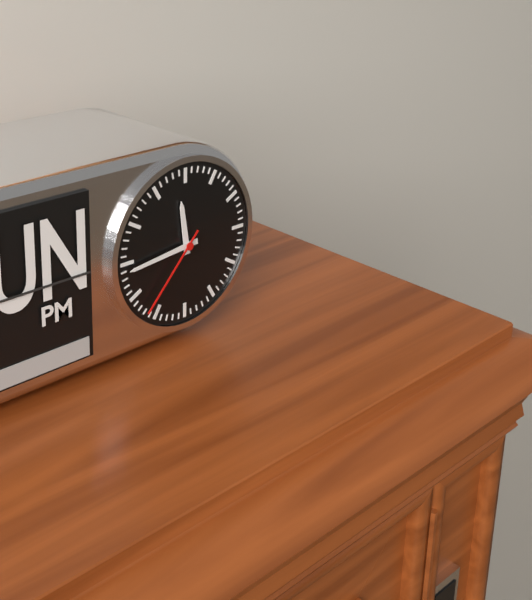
11:44:37
